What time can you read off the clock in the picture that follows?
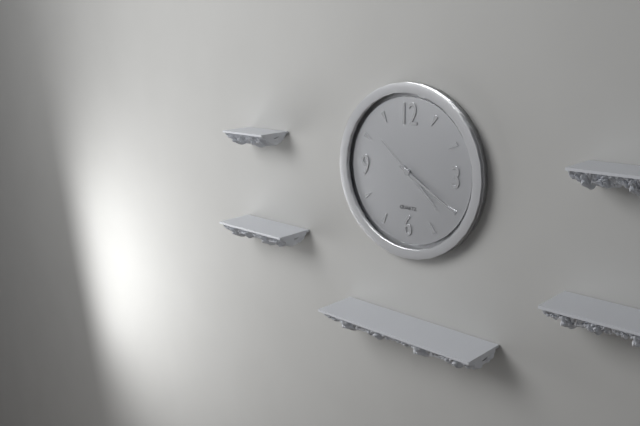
4:20:22
